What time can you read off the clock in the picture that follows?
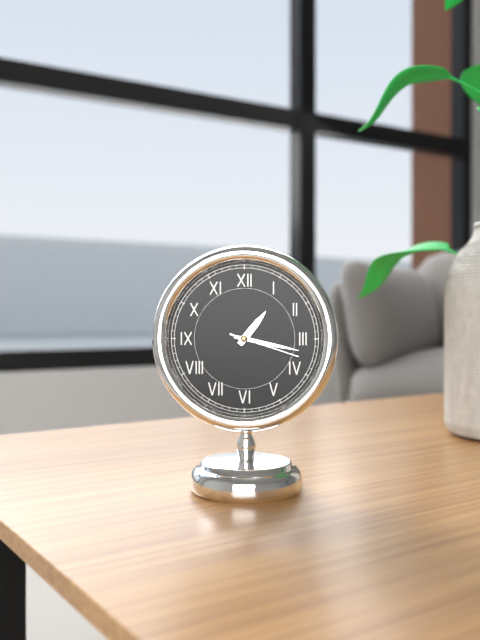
1:17:18
